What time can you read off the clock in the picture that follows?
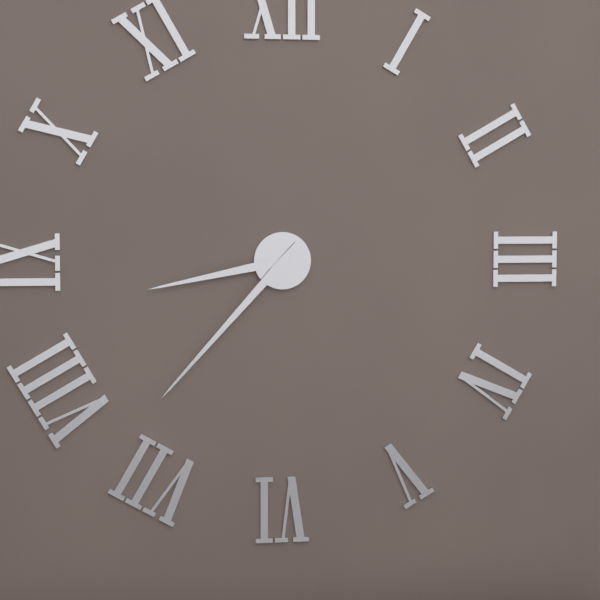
8:37
